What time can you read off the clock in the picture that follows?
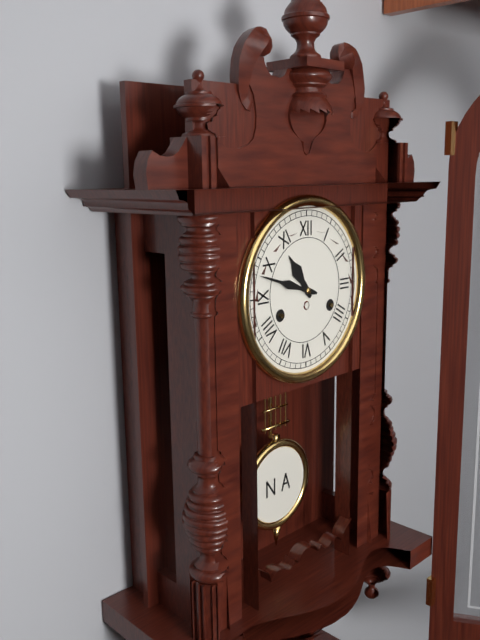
10:48
